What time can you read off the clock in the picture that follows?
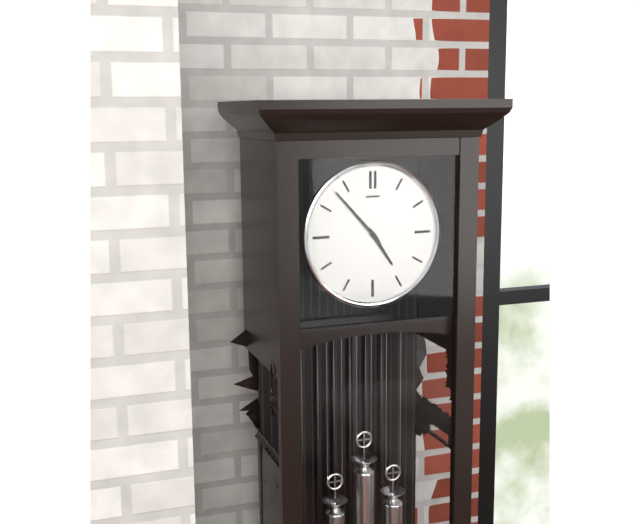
4:53
